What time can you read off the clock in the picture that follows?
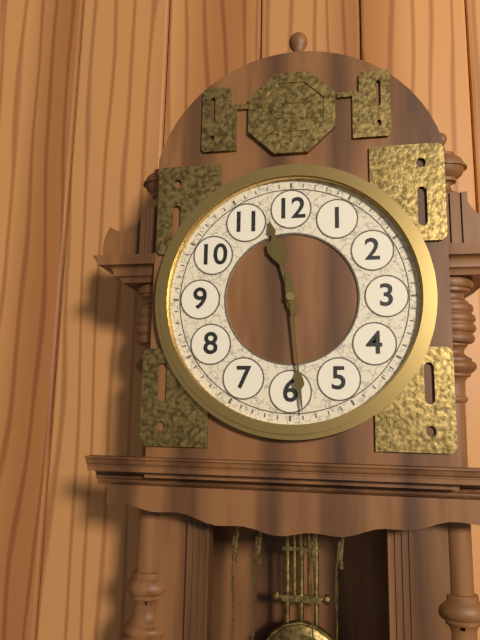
11:29
